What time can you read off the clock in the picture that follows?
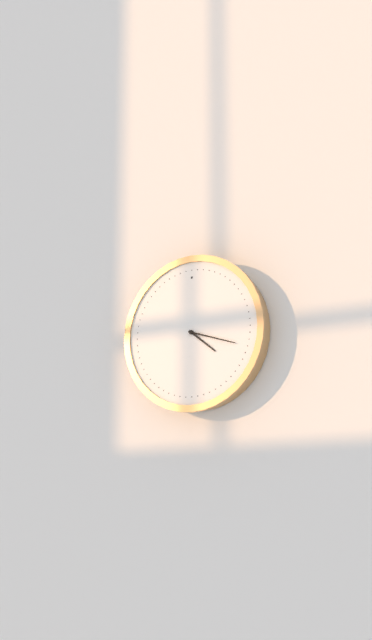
4:18
